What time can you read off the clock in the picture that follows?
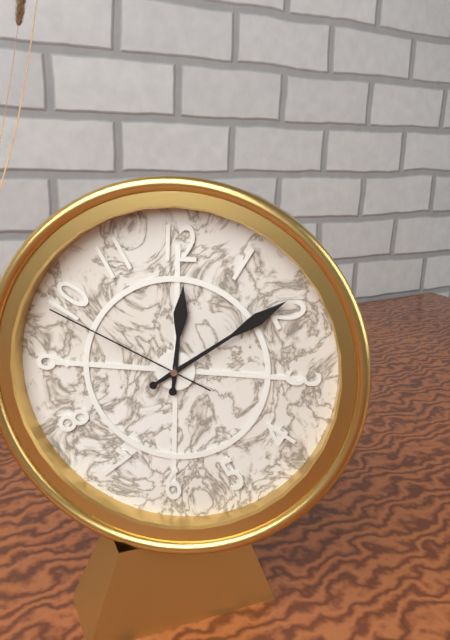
12:09:49
